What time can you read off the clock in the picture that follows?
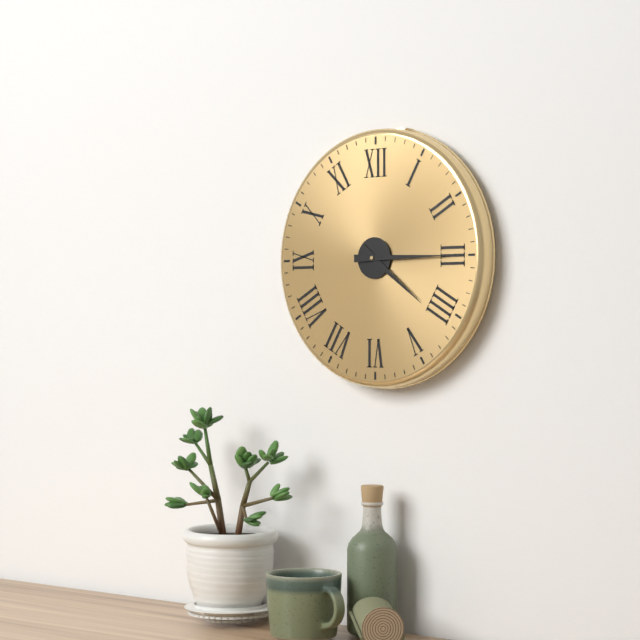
4:15
